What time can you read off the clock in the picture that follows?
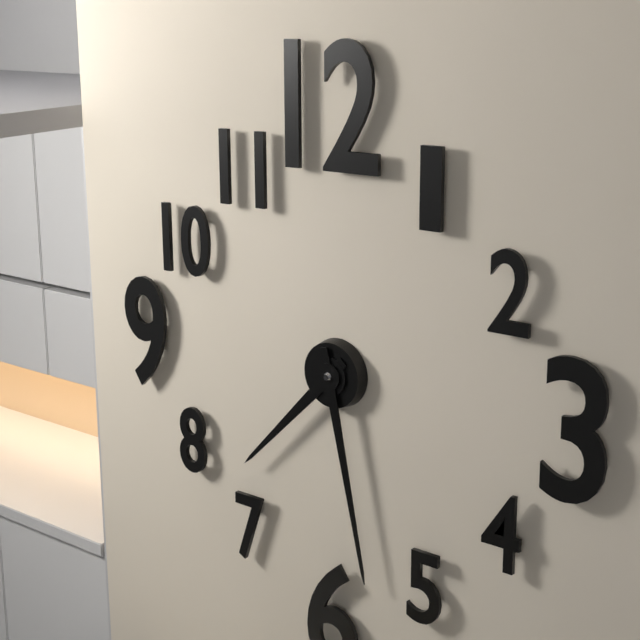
7:28
